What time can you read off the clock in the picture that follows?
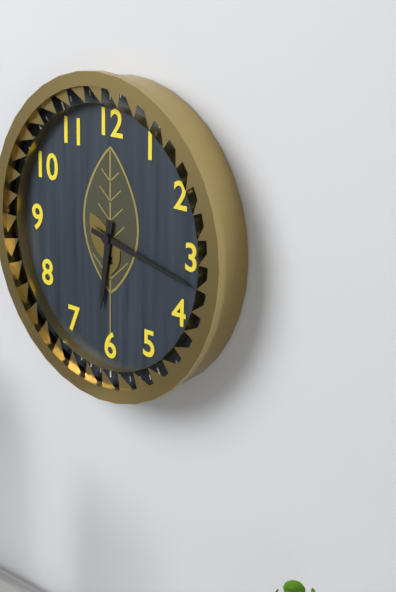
6:17
